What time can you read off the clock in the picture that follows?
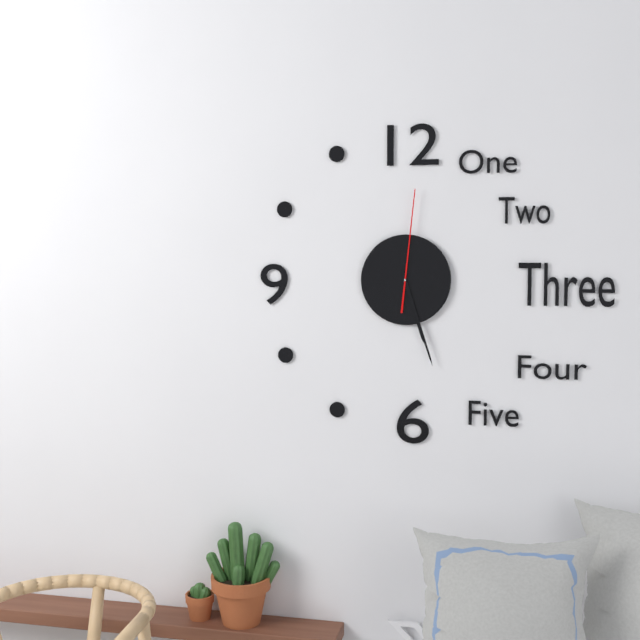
5:27:01
